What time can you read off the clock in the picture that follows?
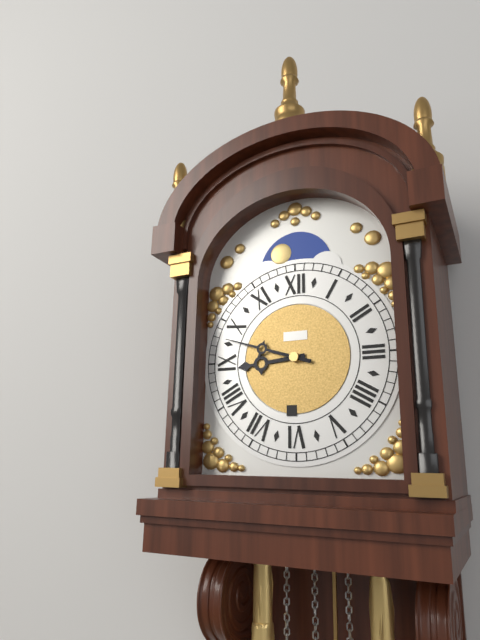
8:48
